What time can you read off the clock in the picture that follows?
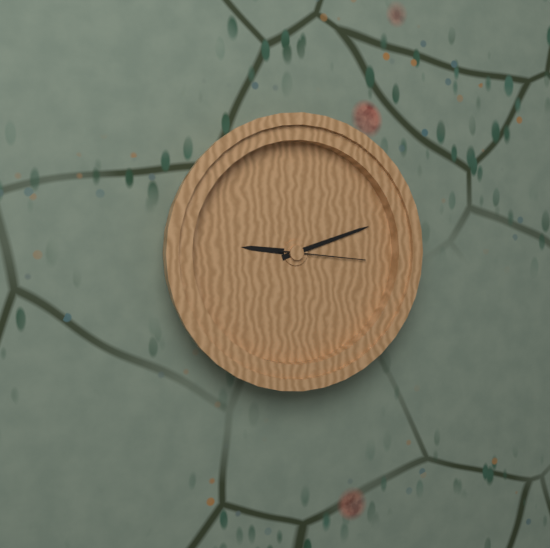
9:12:16
